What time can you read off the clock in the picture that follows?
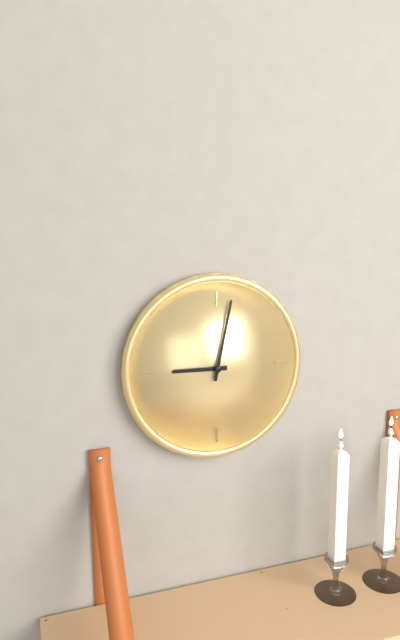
9:02
